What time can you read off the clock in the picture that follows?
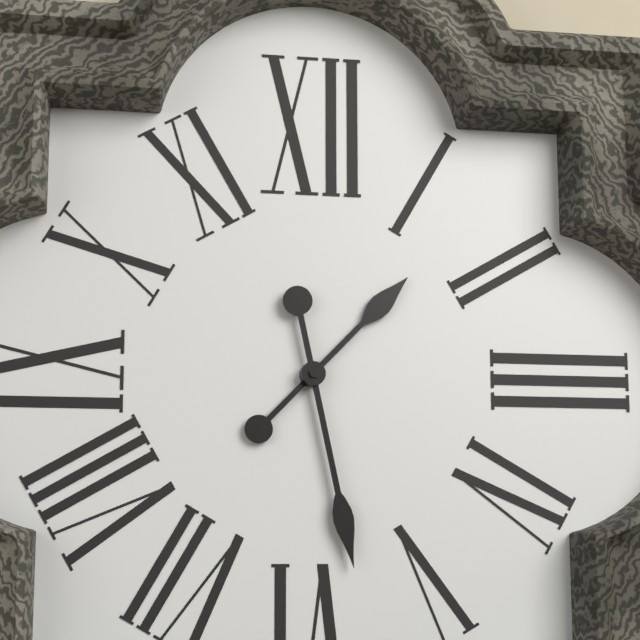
1:28
